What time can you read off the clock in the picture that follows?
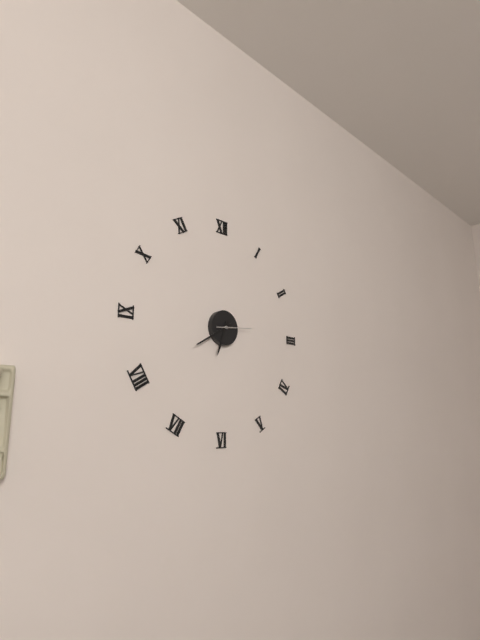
6:40
